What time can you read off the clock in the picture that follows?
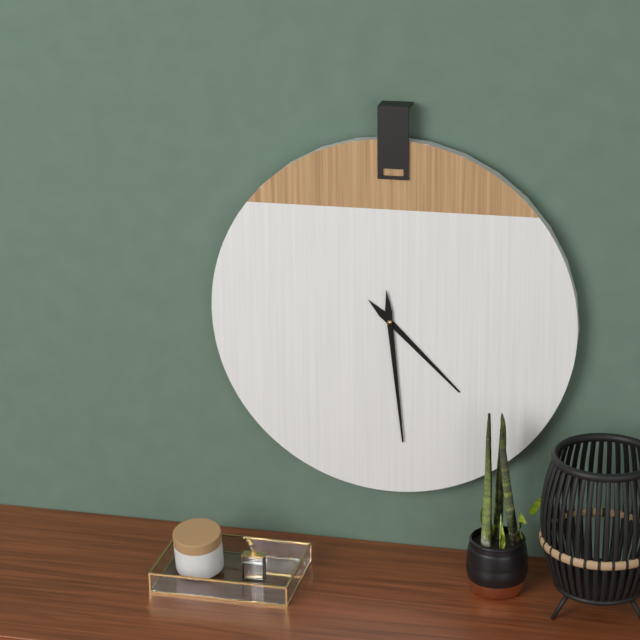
4:29
